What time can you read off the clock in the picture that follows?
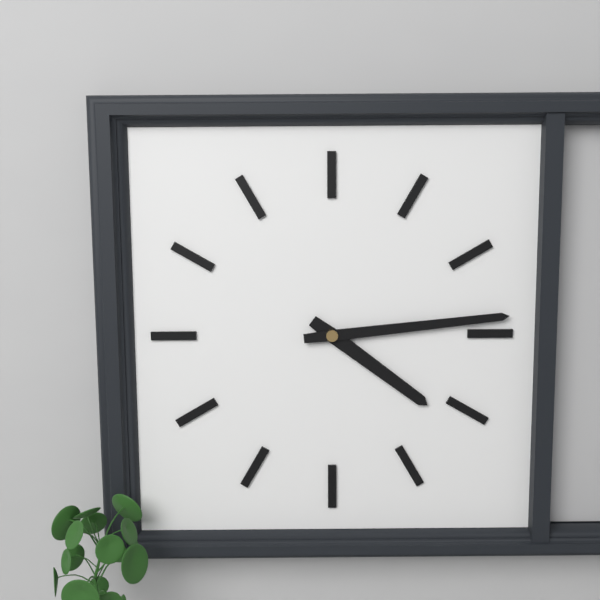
4:14
